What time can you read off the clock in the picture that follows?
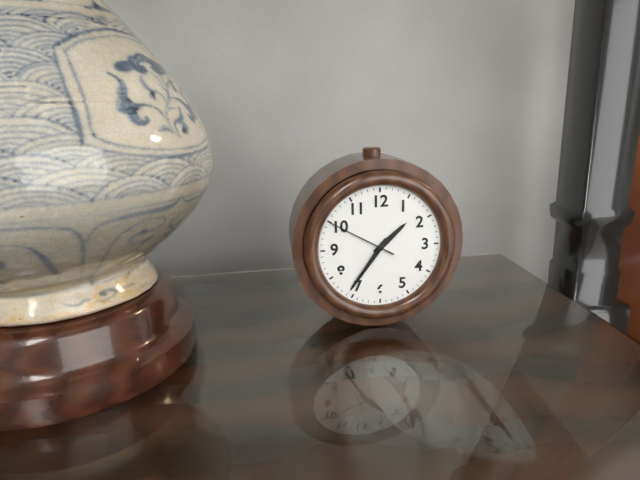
1:36:50
